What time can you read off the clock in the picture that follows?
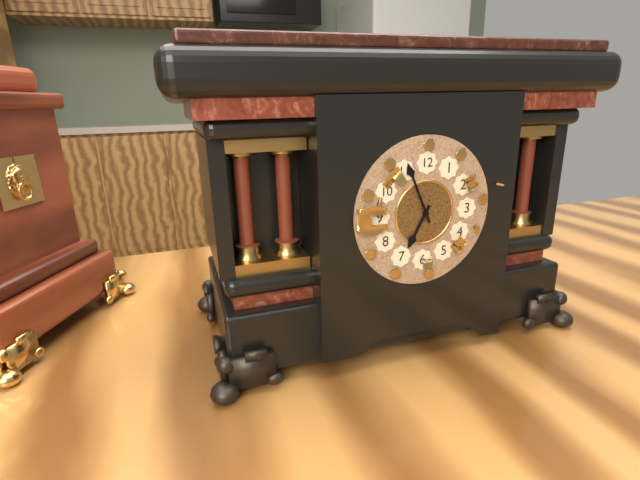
6:56
